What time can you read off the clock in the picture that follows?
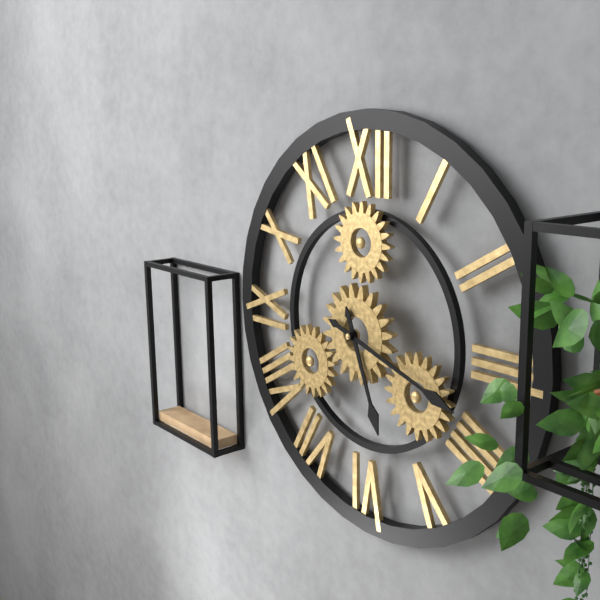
5:18
